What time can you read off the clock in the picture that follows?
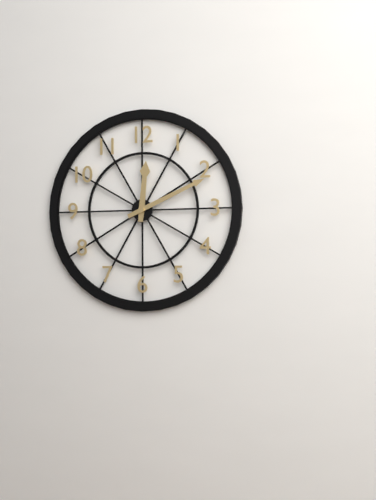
12:11
